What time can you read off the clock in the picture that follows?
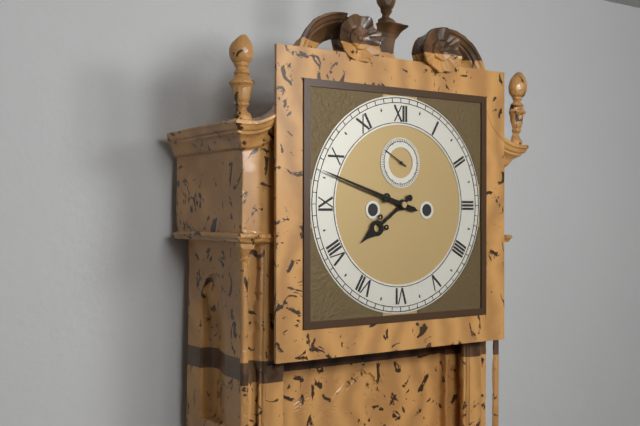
7:48
